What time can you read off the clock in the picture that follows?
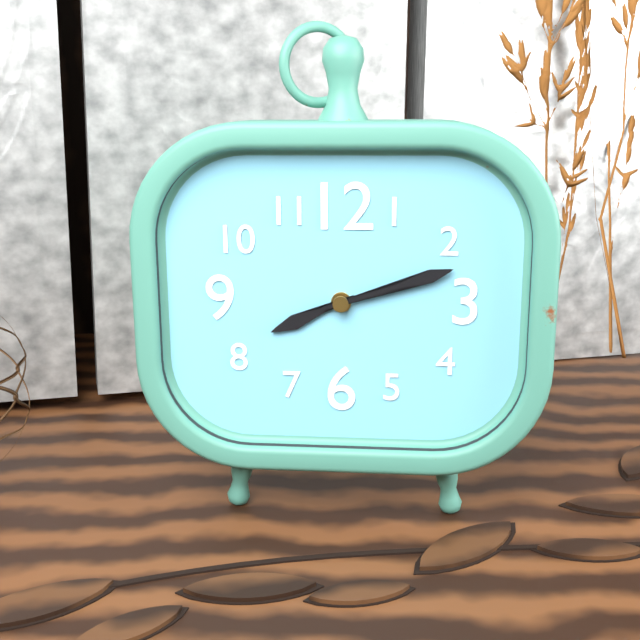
8:12
